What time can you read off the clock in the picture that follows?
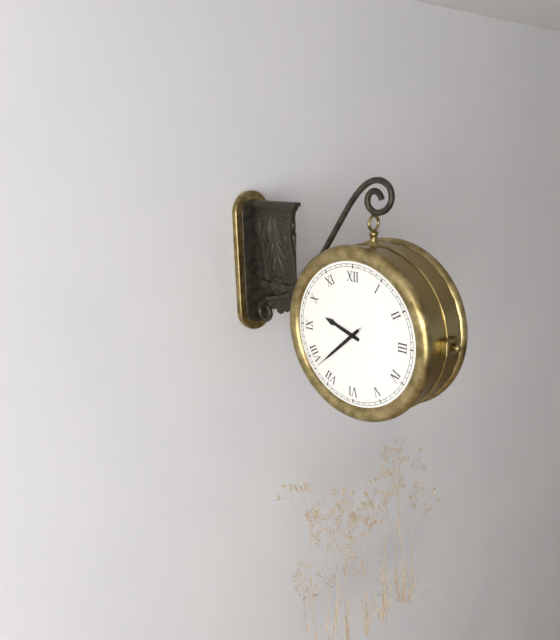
9:38:38
